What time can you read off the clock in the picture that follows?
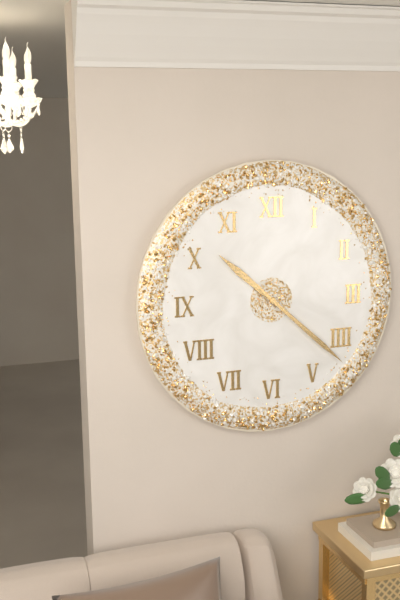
10:22
